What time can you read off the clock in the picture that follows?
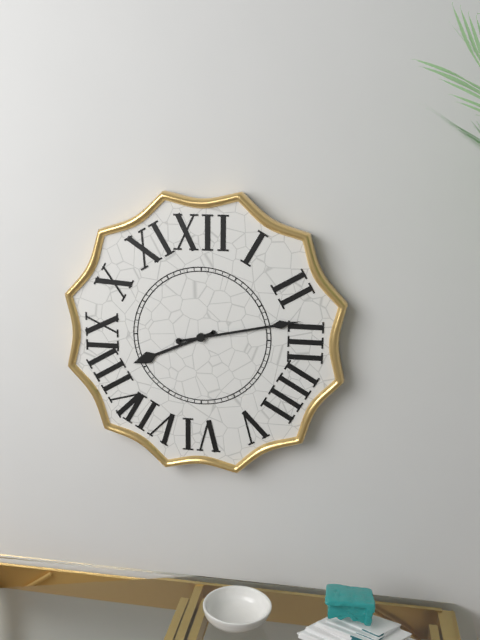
8:13
